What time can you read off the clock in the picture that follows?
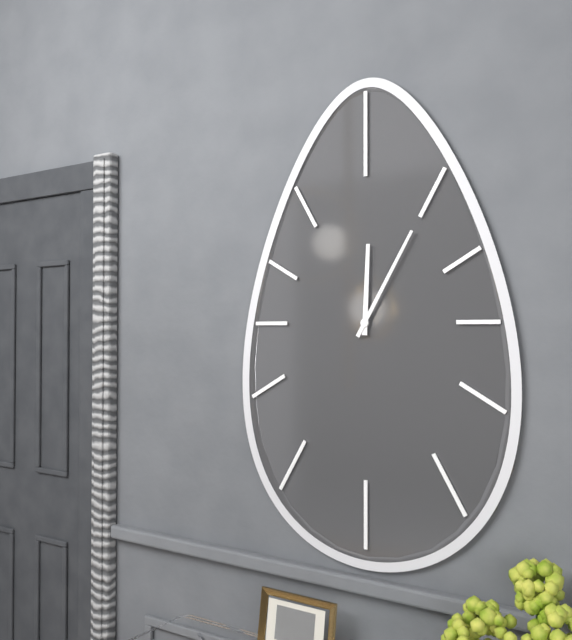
12:05
